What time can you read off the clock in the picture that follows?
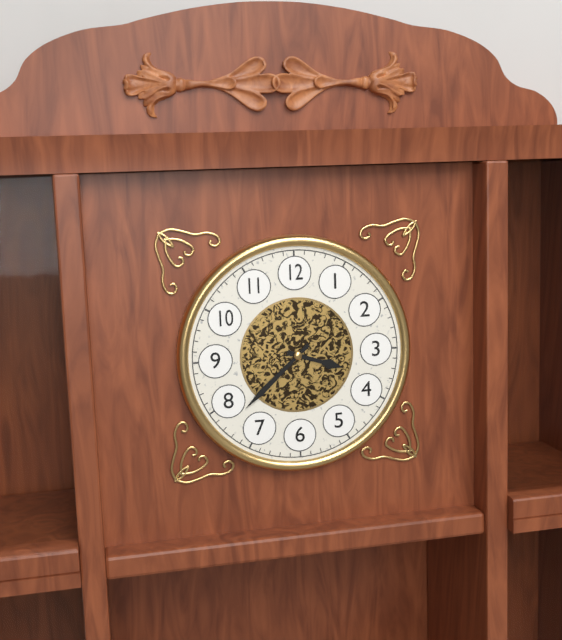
3:38
